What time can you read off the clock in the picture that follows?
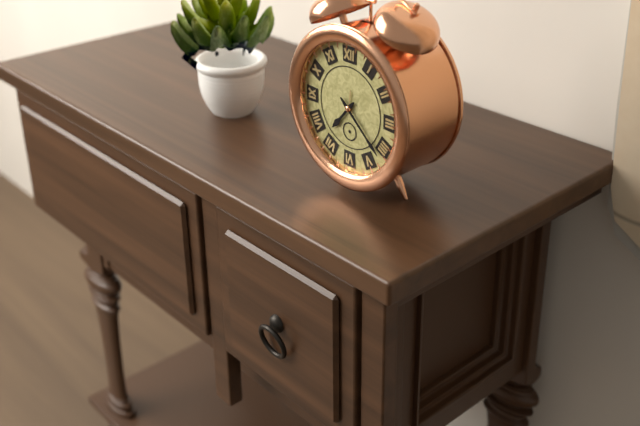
7:22
